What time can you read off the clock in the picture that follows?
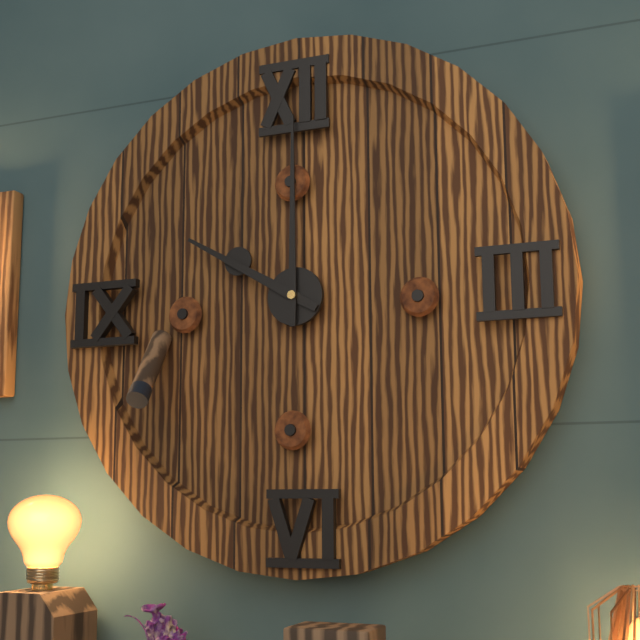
10:00
